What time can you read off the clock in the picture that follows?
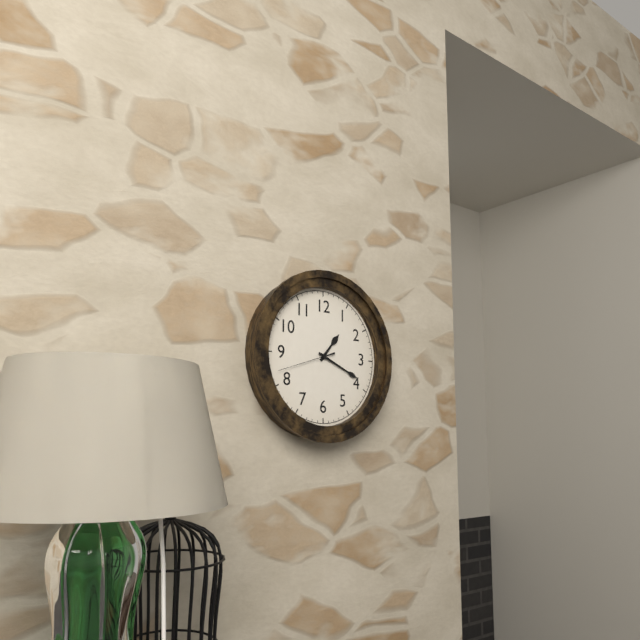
1:19:42
